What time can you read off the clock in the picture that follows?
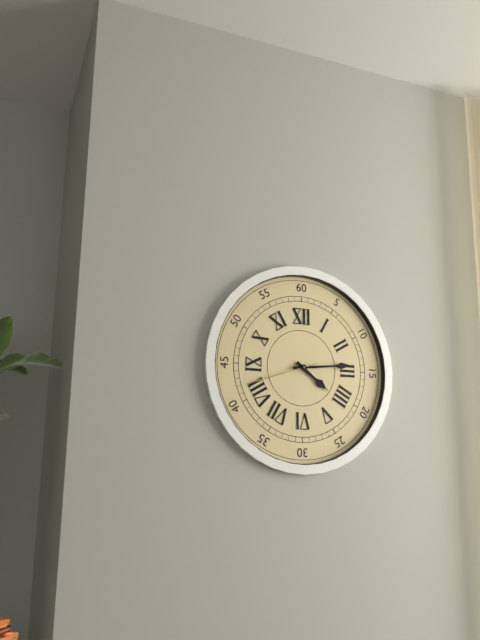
4:14:42
